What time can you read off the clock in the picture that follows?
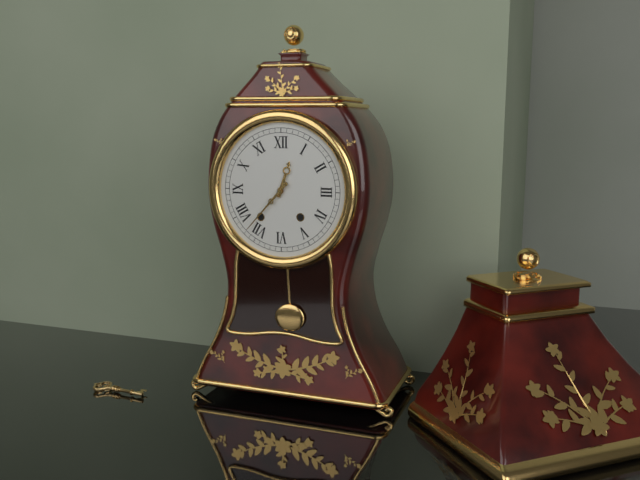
12:37
